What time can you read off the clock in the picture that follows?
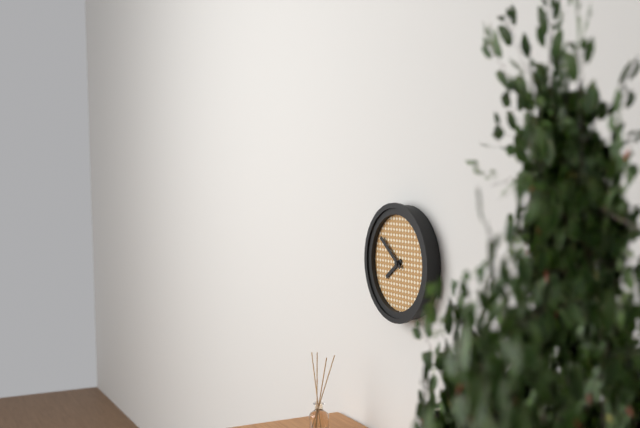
7:51
